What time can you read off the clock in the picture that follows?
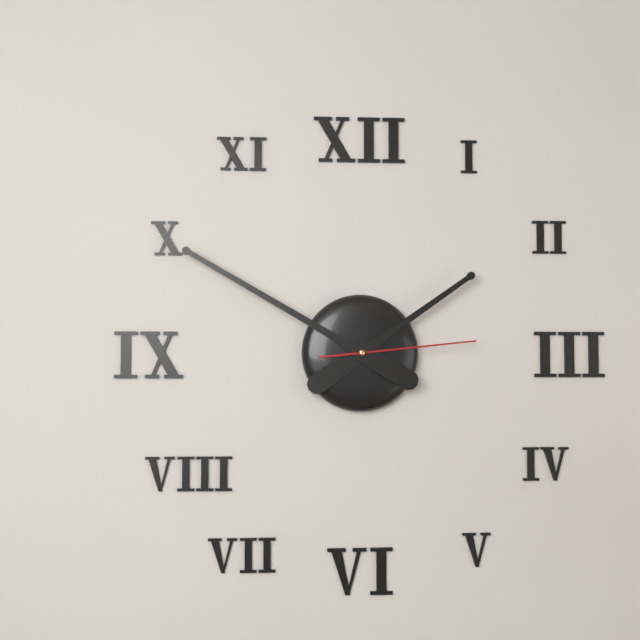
1:50:14
